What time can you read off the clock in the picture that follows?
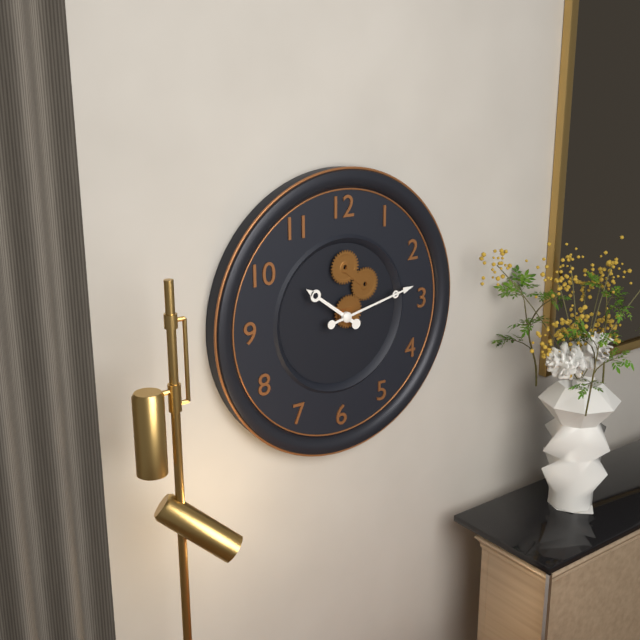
10:13
